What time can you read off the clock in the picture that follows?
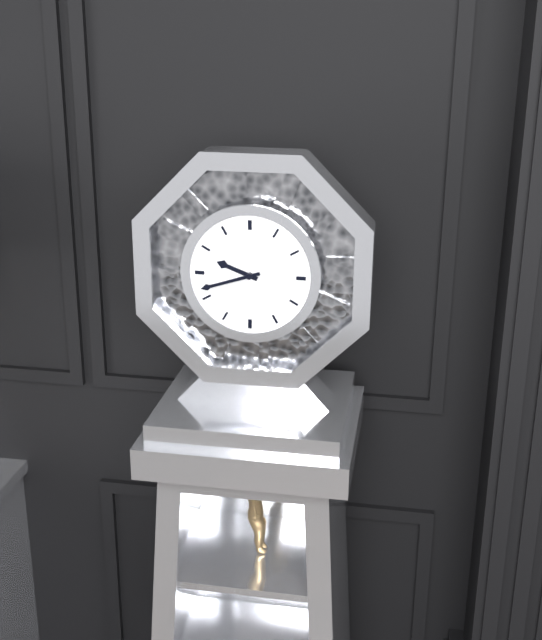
9:42
